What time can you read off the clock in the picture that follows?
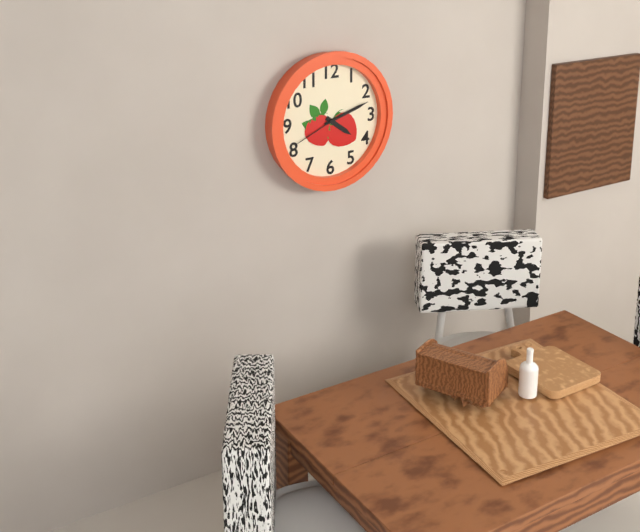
4:12:41
